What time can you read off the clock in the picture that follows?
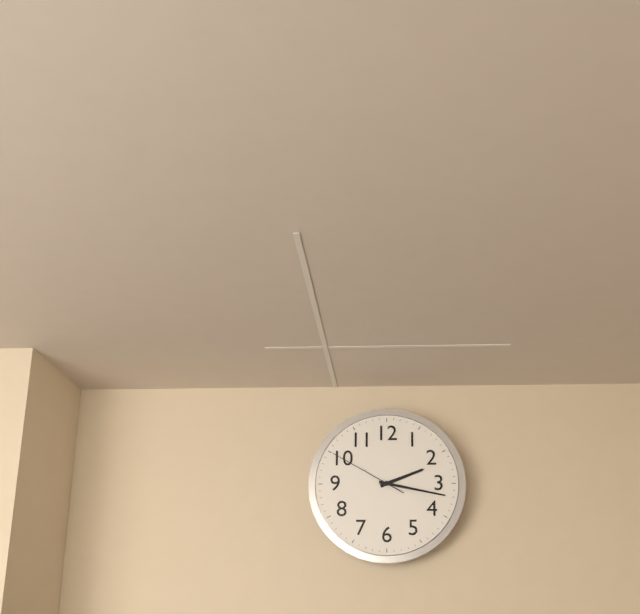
2:17:50
